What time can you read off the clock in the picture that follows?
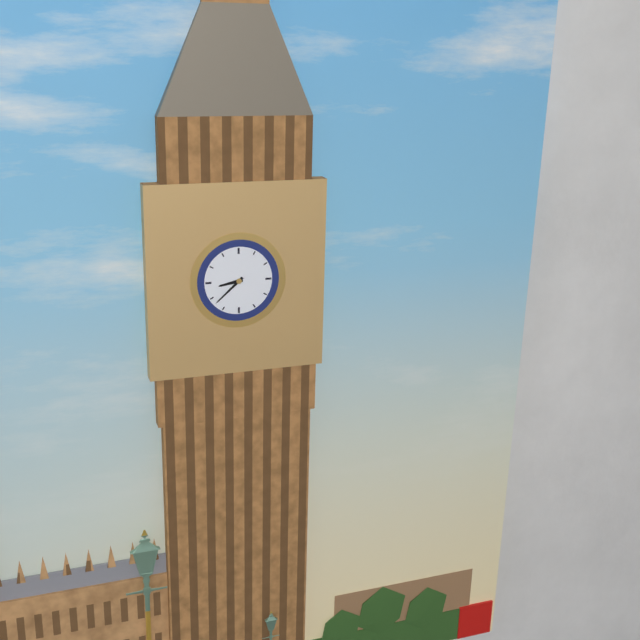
8:38
